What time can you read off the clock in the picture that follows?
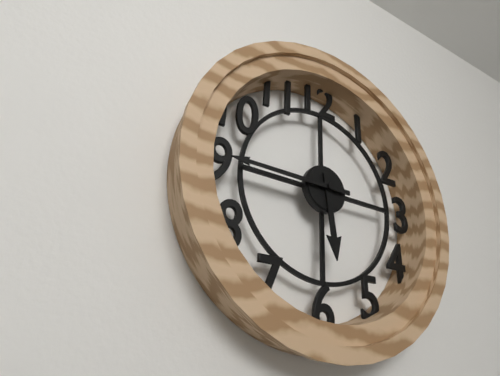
5:45
